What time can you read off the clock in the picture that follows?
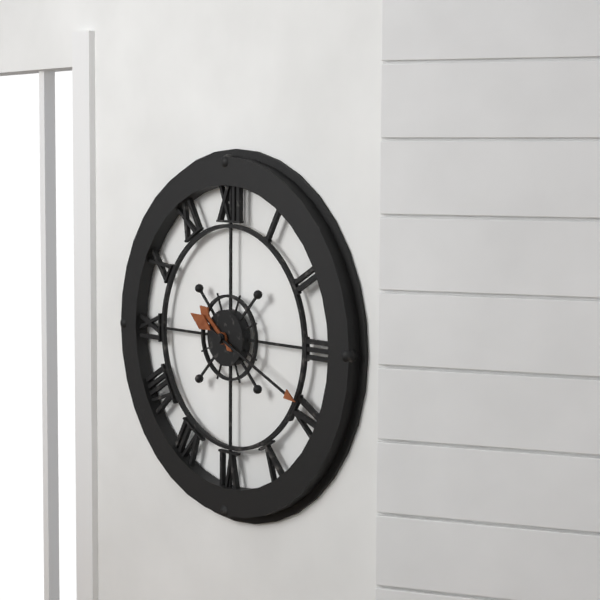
10:19
